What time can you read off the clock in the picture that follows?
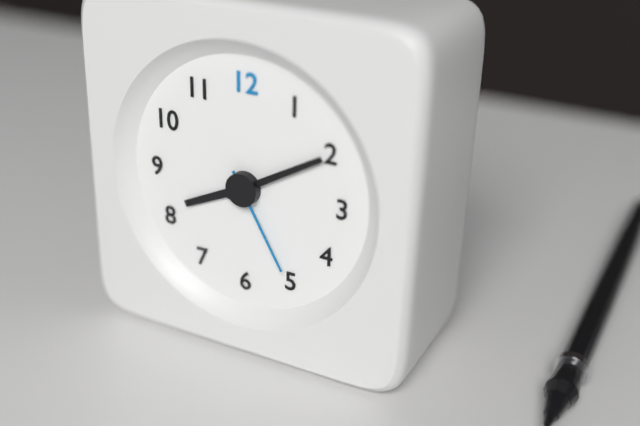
8:10:25
